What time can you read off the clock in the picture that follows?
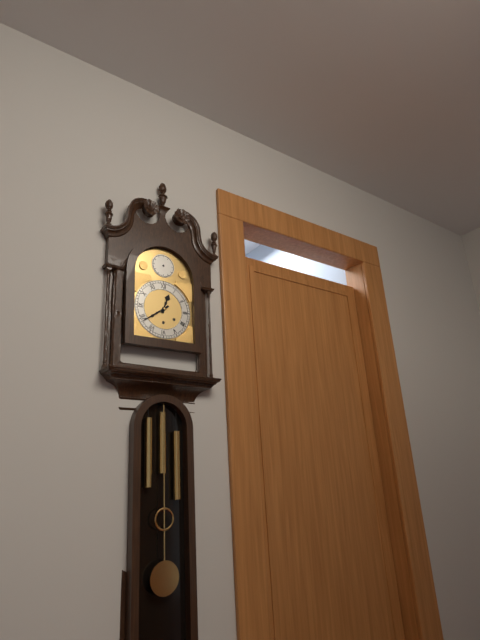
12:39
